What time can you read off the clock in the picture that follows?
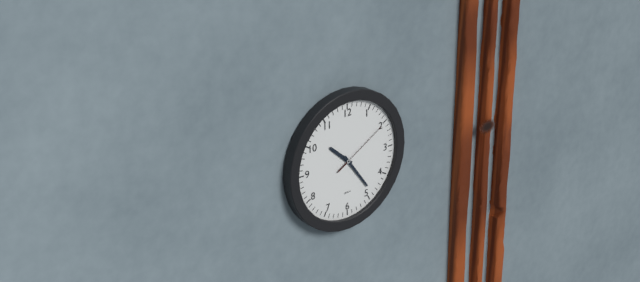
10:24:10
